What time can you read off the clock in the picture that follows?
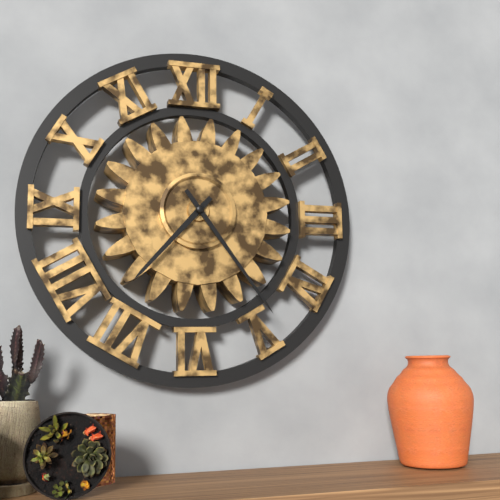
7:24
